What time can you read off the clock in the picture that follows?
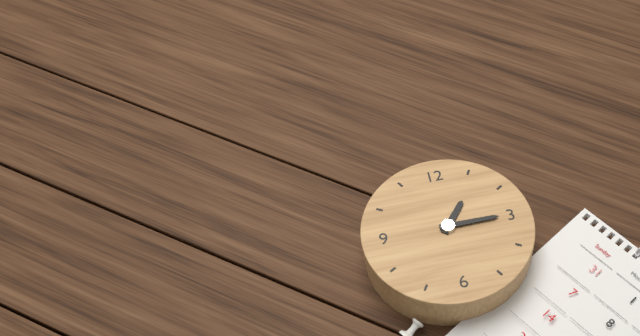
1:15
